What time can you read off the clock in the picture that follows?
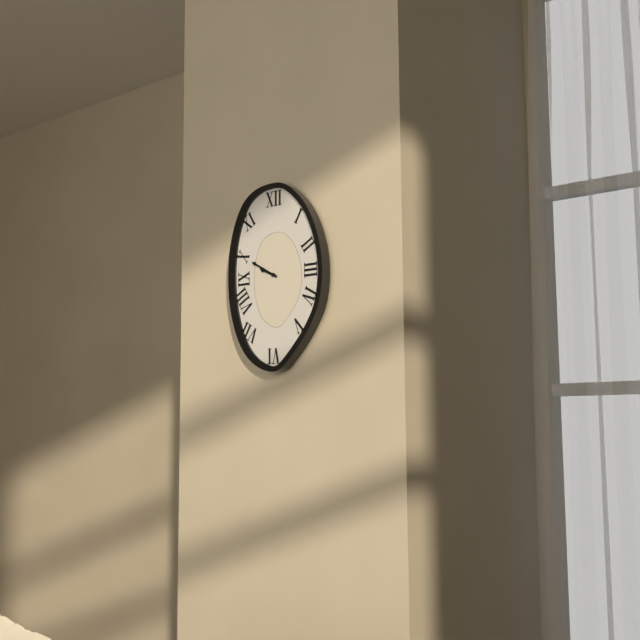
9:50
